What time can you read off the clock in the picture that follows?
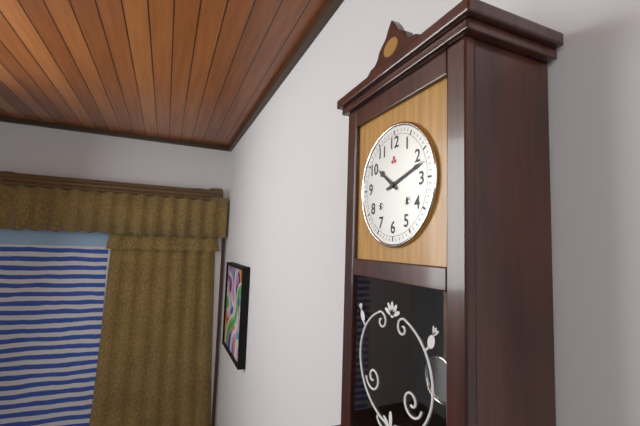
10:12
